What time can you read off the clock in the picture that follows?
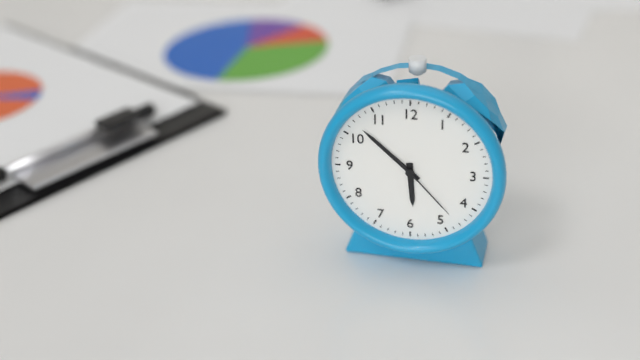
5:52:23
